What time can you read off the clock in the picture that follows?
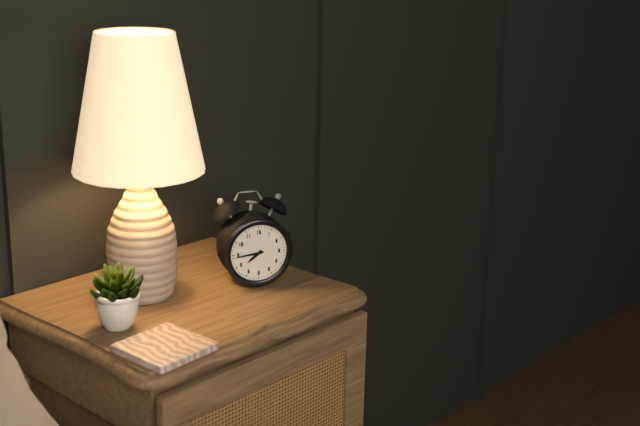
7:44
